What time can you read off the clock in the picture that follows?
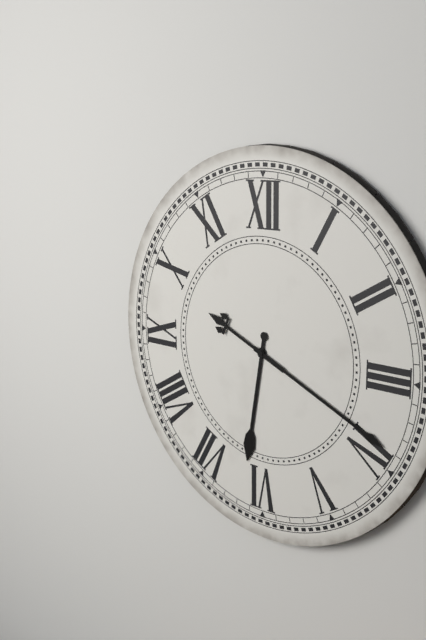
6:19
